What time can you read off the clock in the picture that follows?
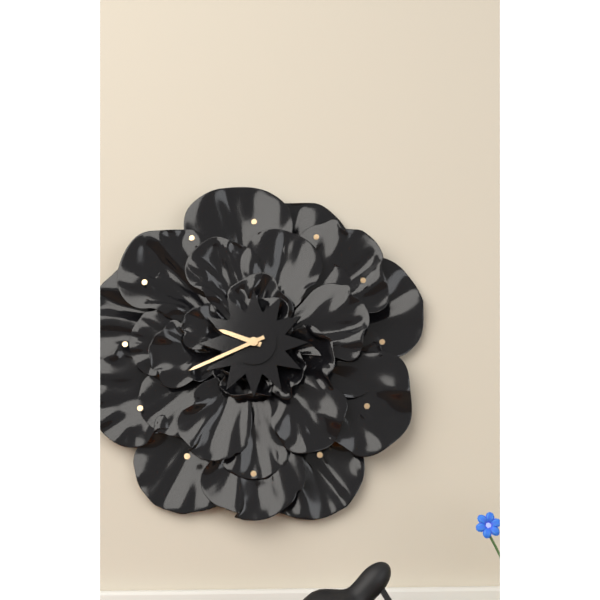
9:41
